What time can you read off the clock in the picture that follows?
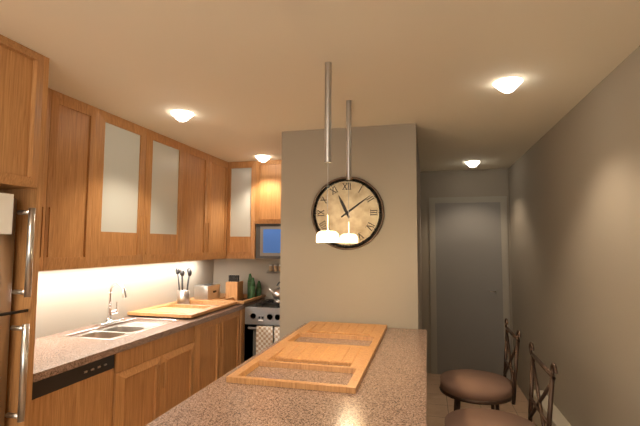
11:09
